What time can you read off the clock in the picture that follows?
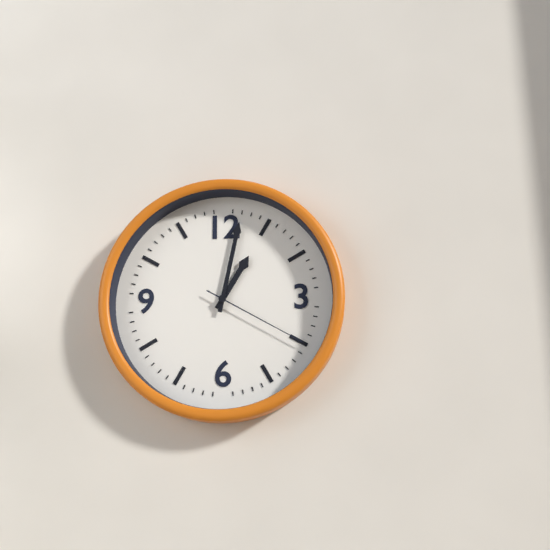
1:02:20
